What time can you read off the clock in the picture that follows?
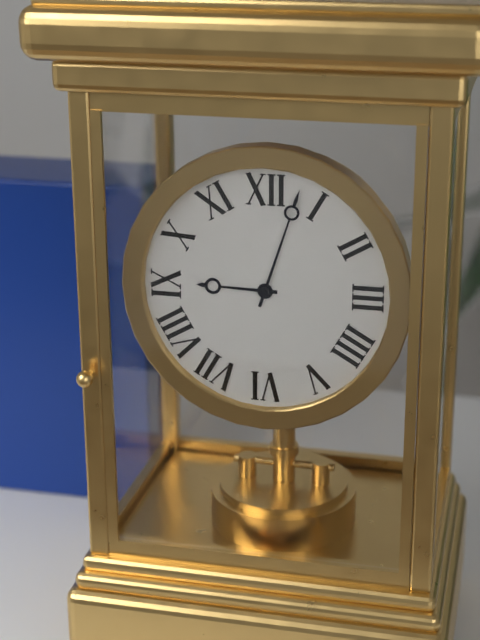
9:03
